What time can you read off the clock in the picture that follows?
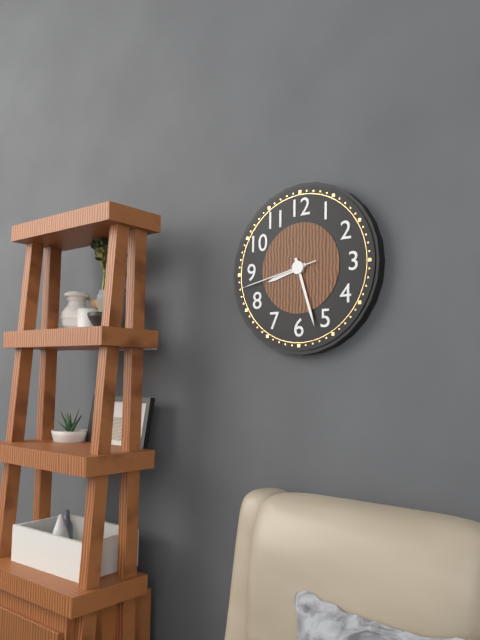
8:27:43
